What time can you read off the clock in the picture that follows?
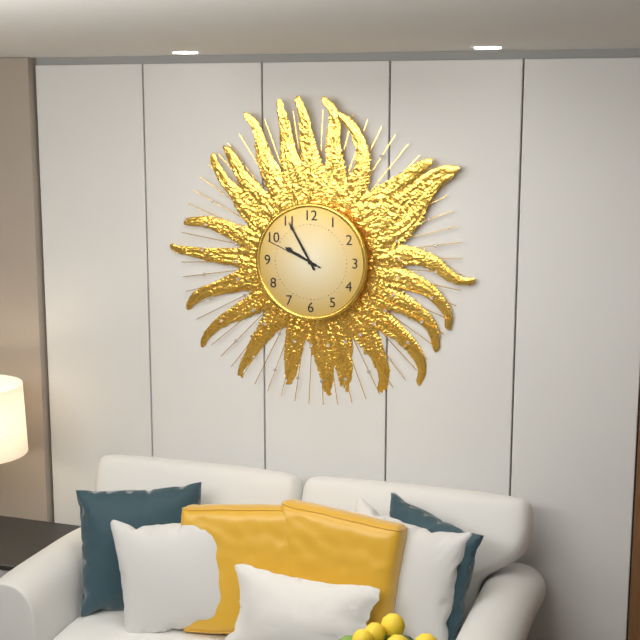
9:55:49
